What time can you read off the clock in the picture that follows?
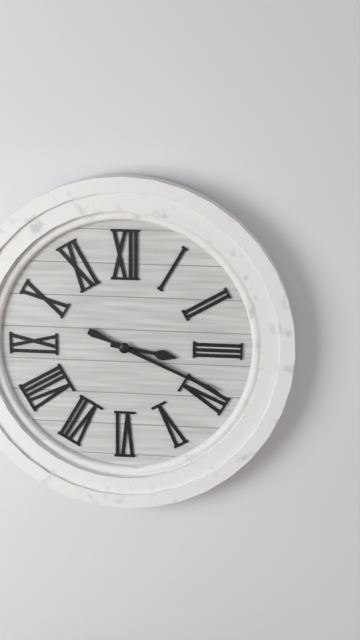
3:19
